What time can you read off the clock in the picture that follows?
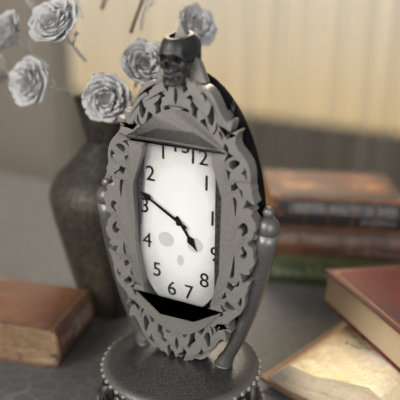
4:50
